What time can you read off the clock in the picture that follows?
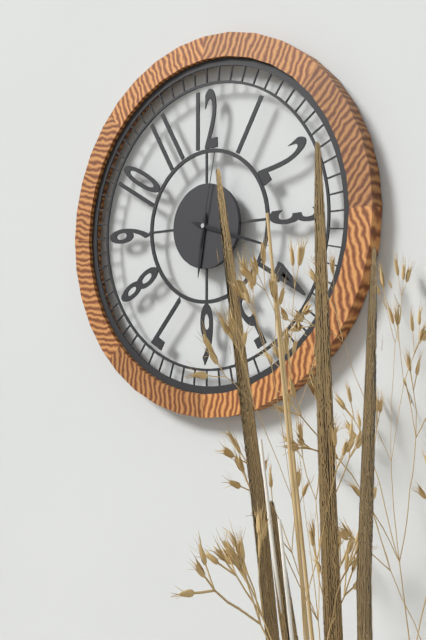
6:18:02
